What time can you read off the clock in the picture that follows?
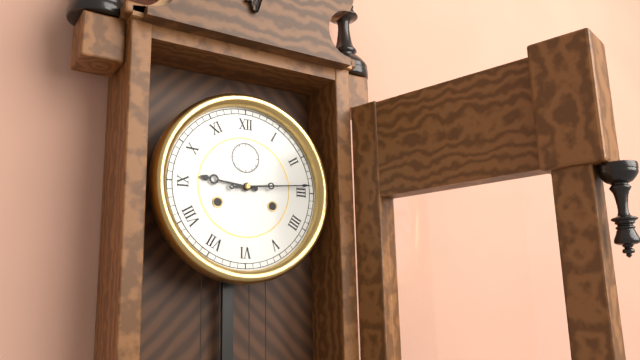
9:14
